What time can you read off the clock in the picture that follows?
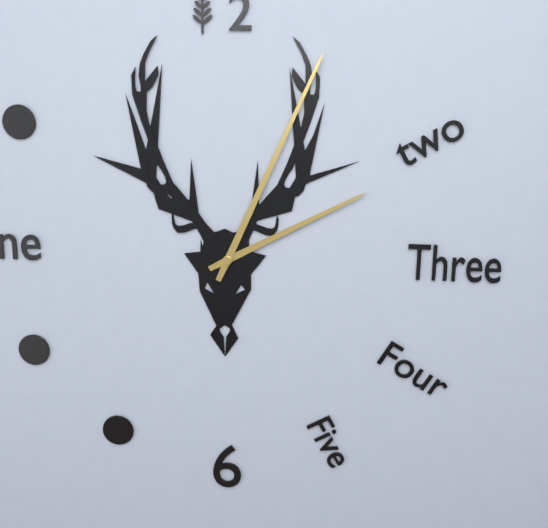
2:04
